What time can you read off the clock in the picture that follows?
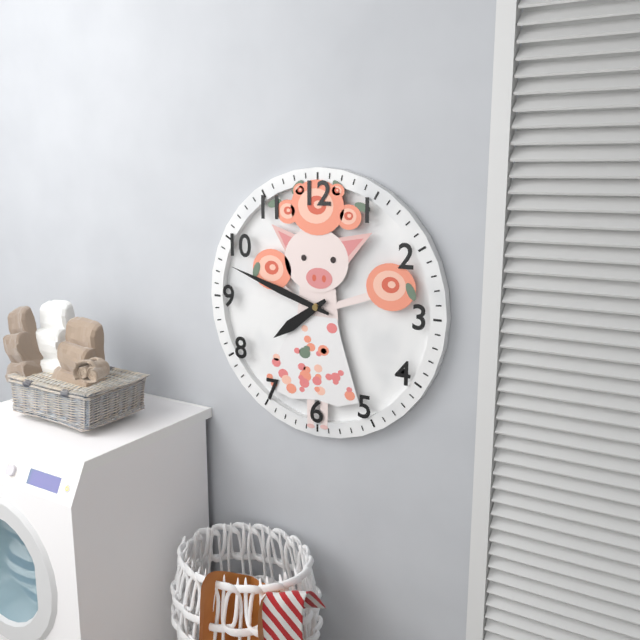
7:48
